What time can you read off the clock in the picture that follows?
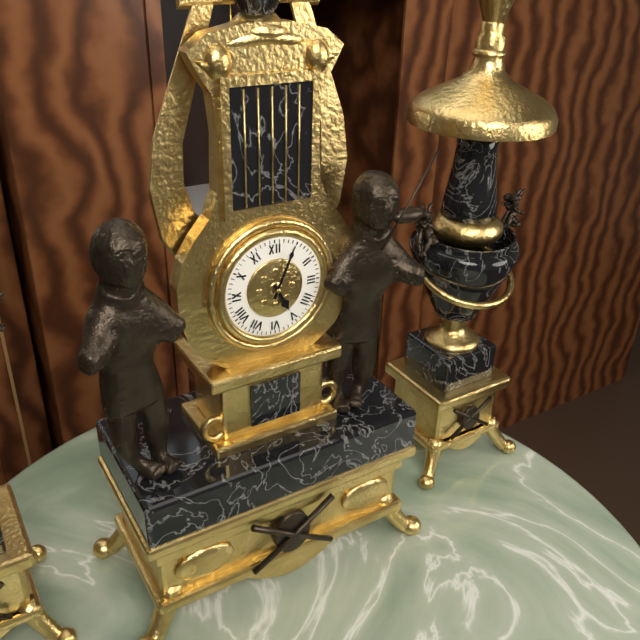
5:04
